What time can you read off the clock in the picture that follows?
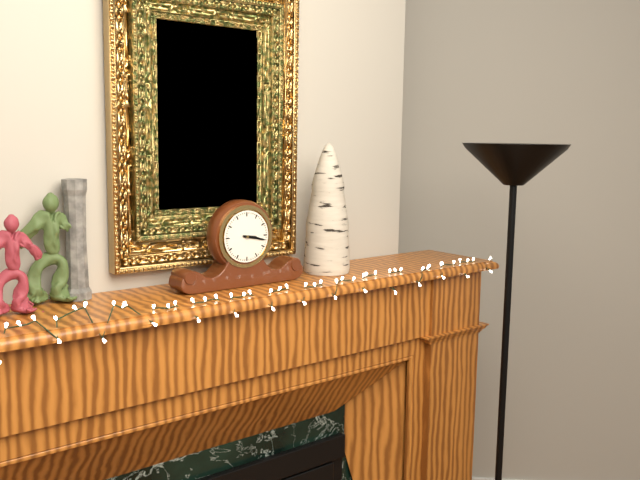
3:17
